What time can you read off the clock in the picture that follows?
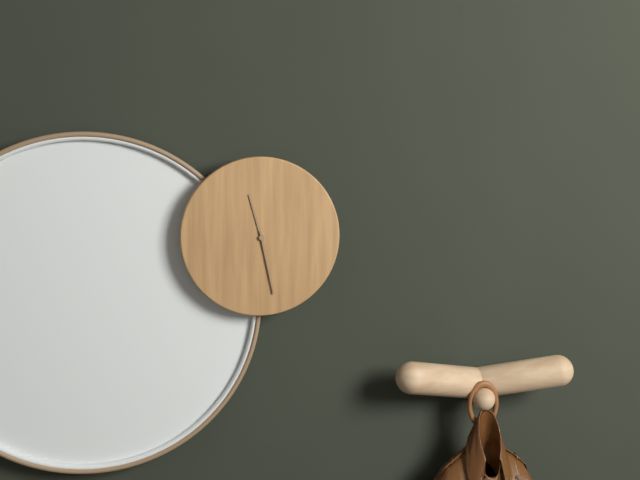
11:28
